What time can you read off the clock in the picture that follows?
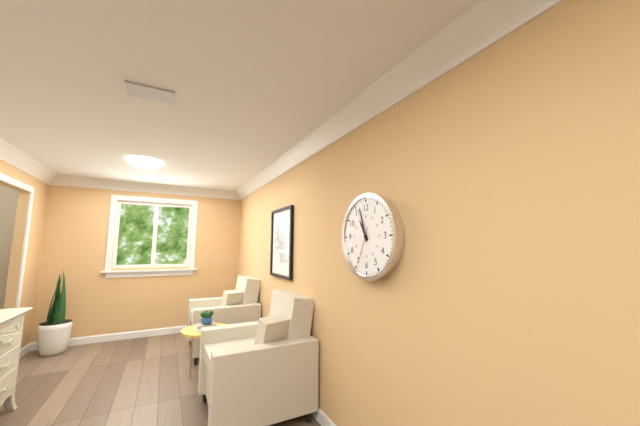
10:57
